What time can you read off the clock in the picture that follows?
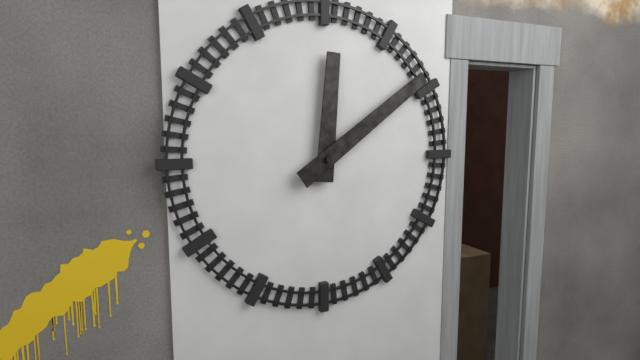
12:09
